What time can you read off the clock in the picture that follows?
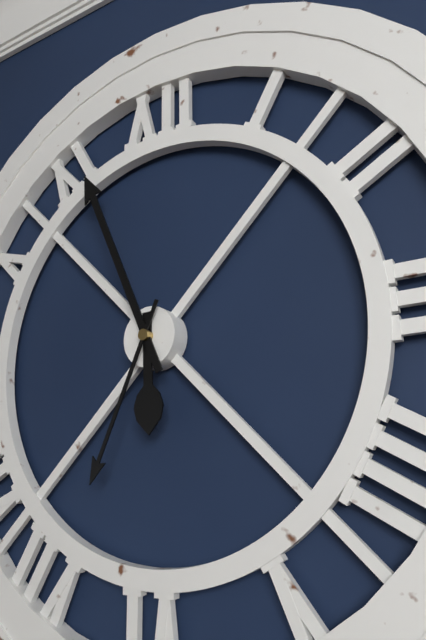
5:56:34
